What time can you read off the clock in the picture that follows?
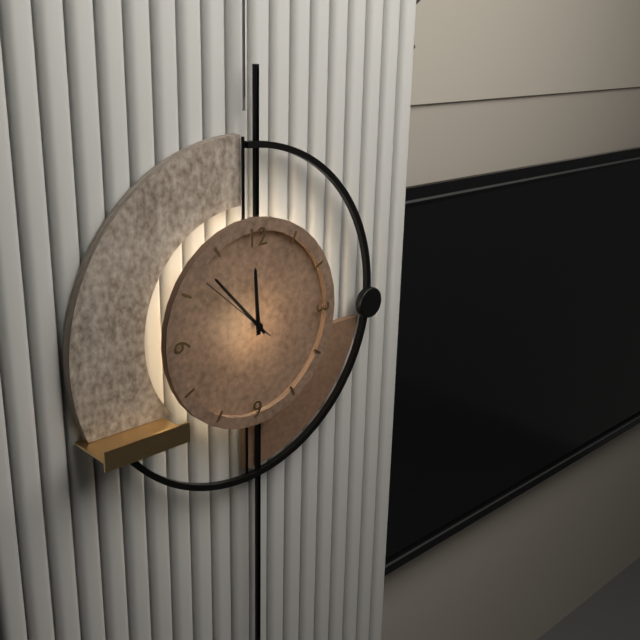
11:53:52
